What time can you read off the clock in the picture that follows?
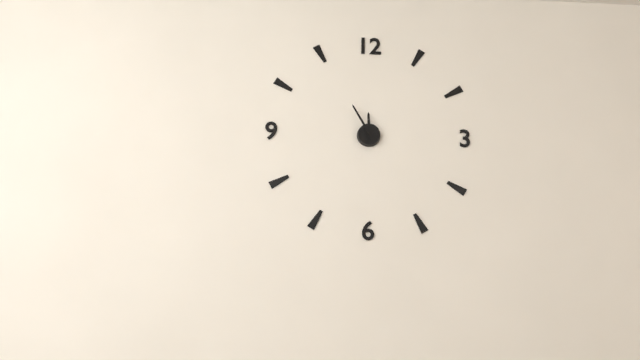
11:55
